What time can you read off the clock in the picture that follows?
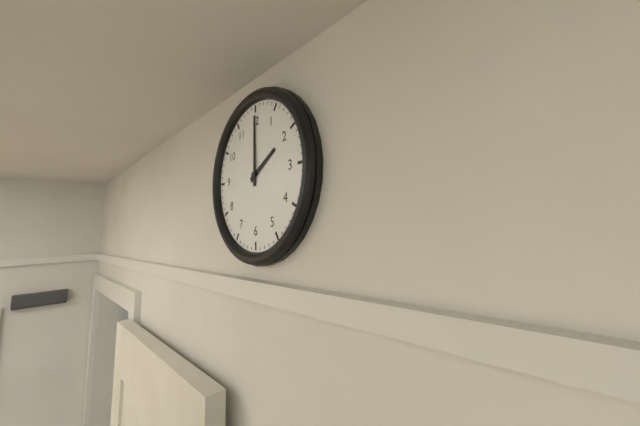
2:00
